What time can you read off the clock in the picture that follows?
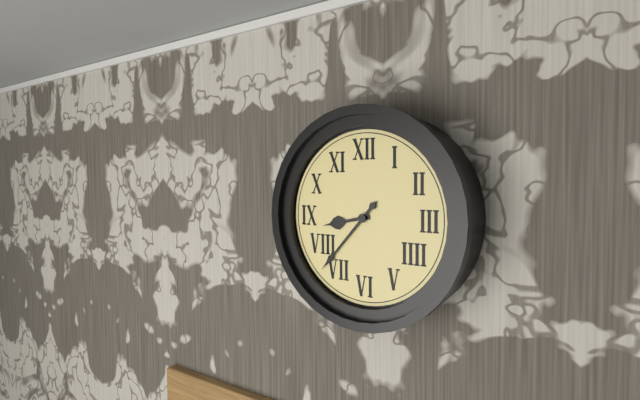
8:37
